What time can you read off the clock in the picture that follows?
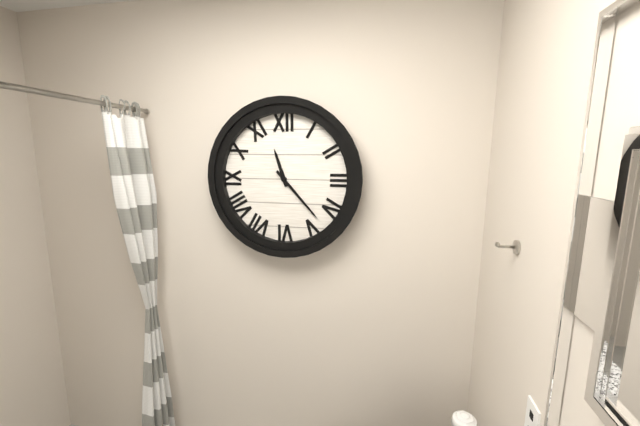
11:23
